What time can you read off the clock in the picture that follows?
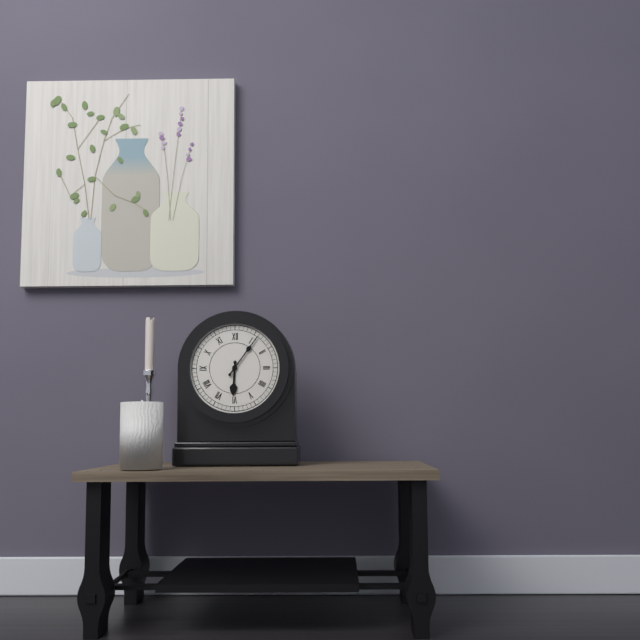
6:06
